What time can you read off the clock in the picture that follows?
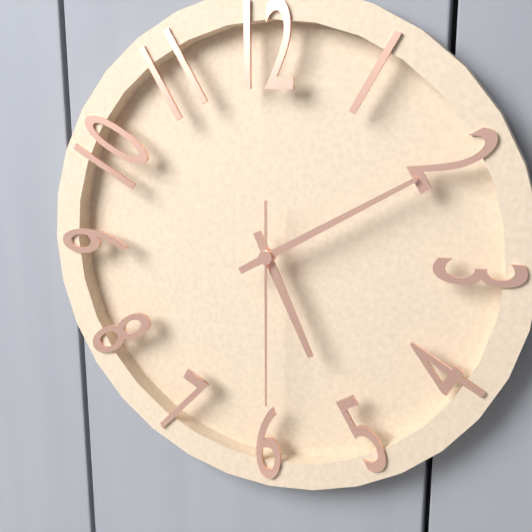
5:10:30
